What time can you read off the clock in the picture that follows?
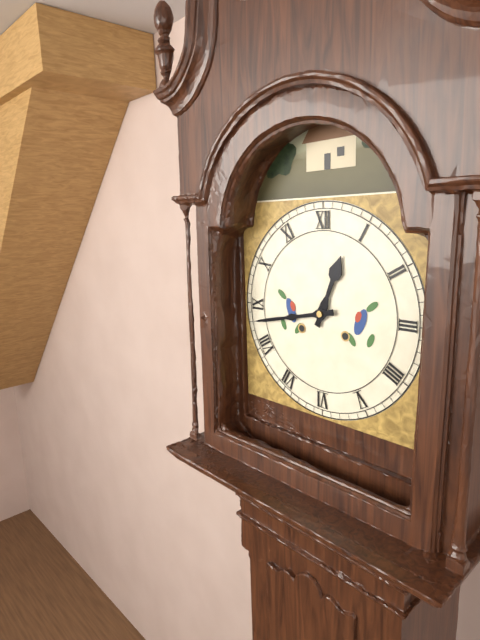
12:43
